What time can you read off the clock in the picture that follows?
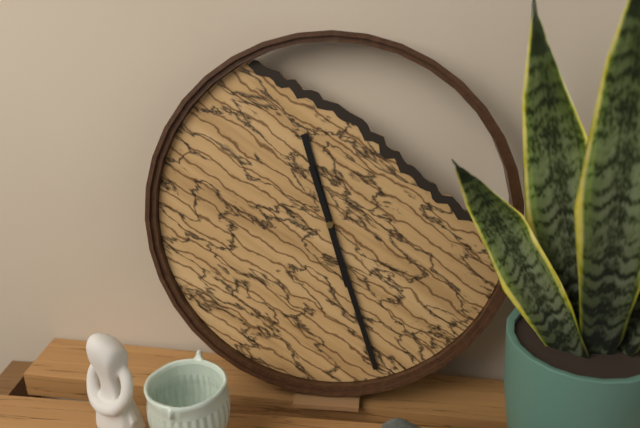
11:27
